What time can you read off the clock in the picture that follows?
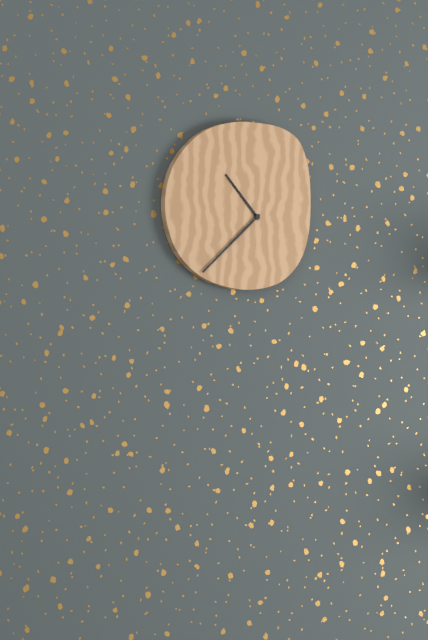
10:38
